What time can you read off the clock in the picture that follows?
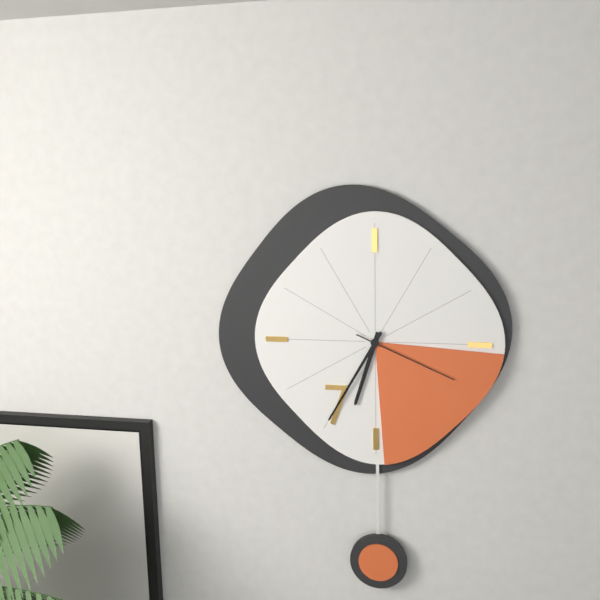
6:35:19
